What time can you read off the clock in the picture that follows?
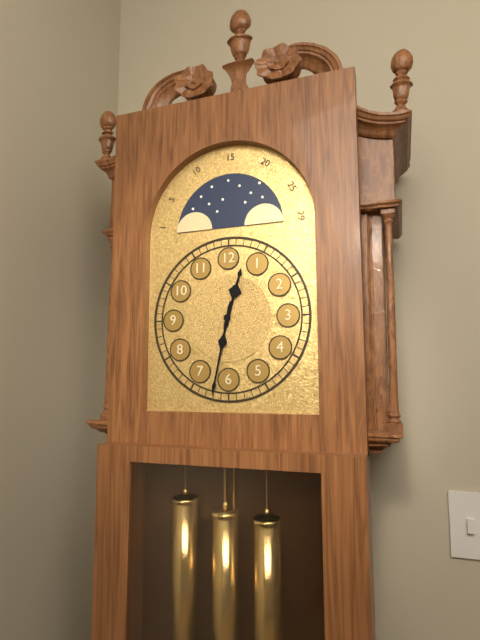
12:32
